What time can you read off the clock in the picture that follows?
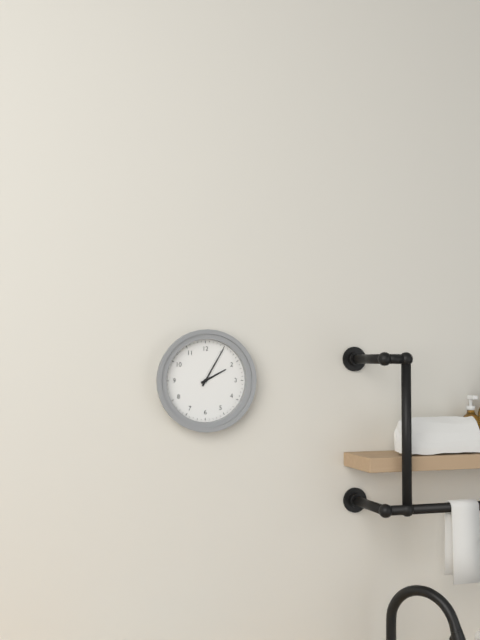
2:05
